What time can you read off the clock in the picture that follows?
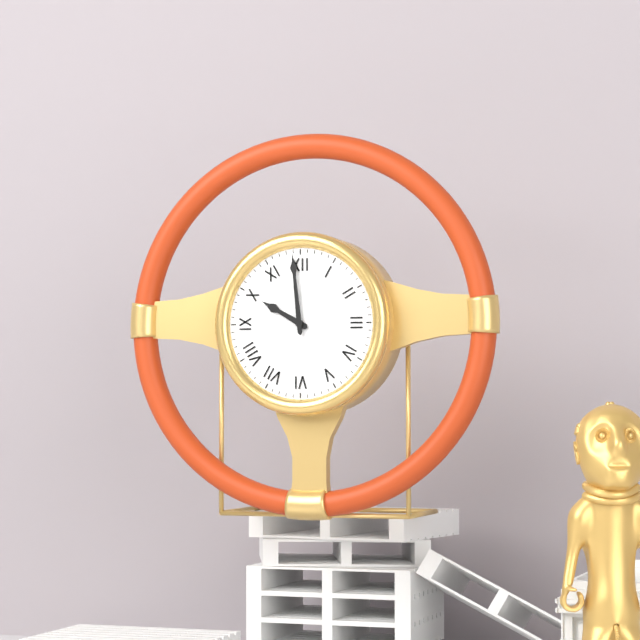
9:59
